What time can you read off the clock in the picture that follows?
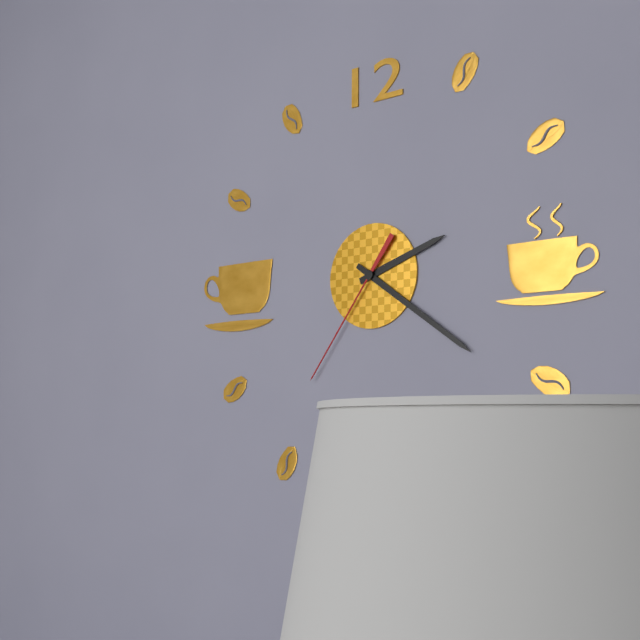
2:21:36
